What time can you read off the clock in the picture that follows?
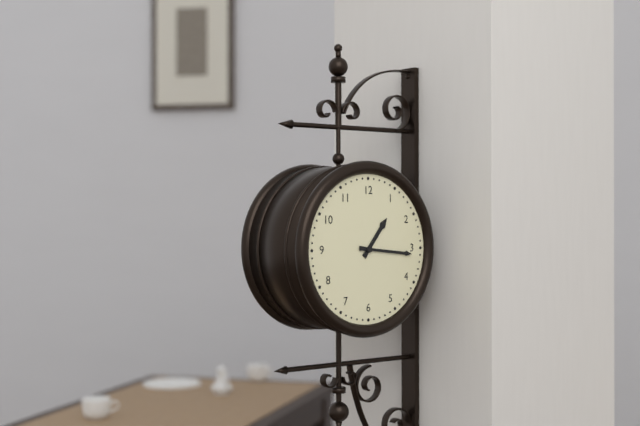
1:16
